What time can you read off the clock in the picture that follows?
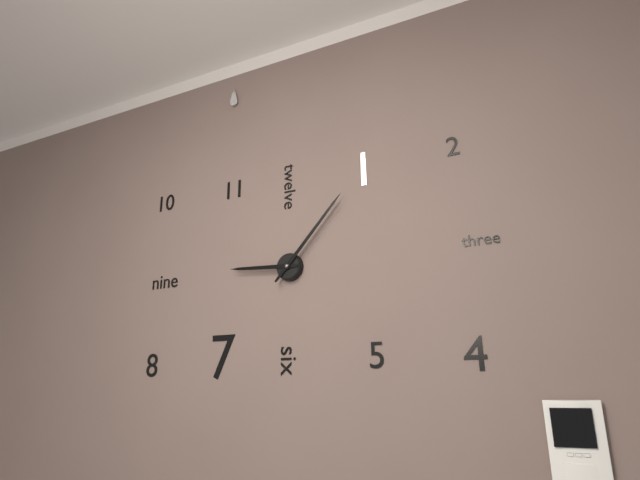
9:07
